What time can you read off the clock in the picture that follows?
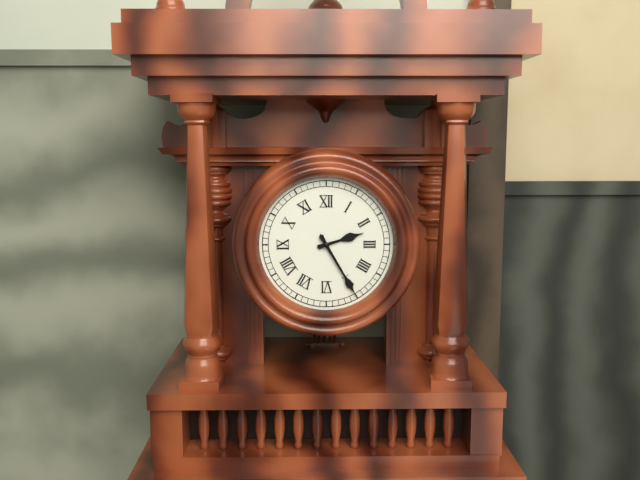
2:25
